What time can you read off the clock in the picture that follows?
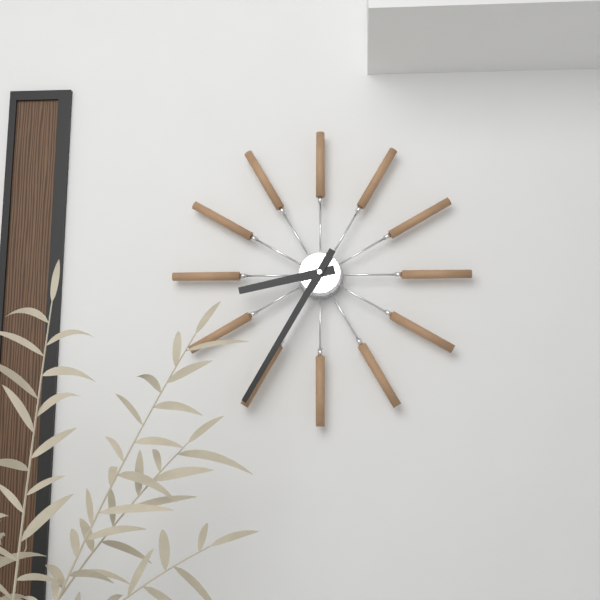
8:35
